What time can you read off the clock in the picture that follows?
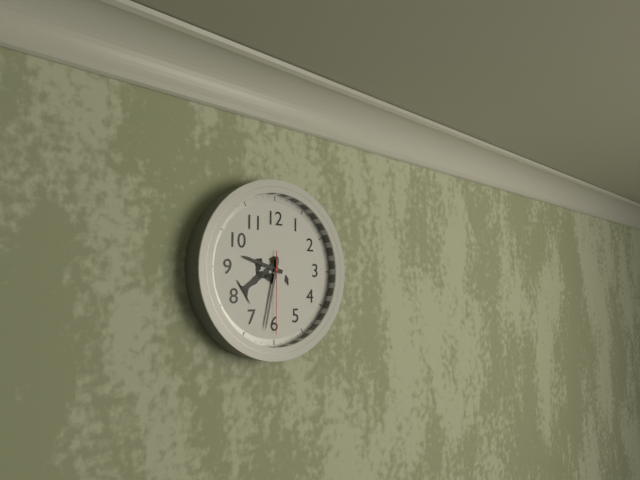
9:32:30
